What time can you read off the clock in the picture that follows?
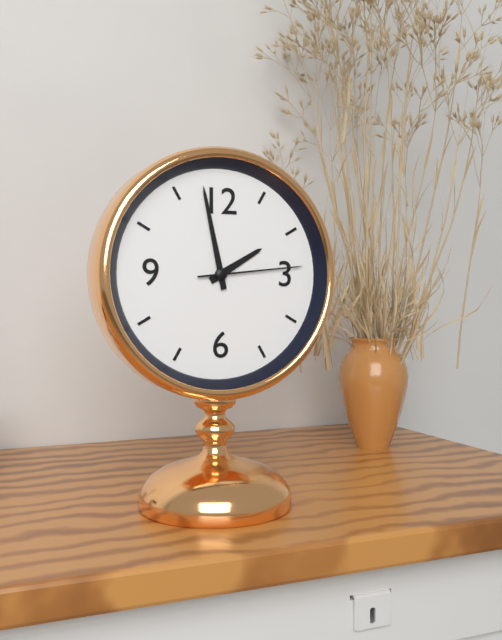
1:58:14
